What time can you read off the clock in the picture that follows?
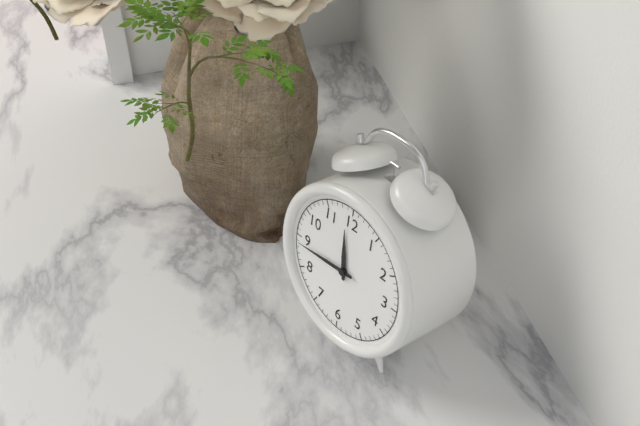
11:44
